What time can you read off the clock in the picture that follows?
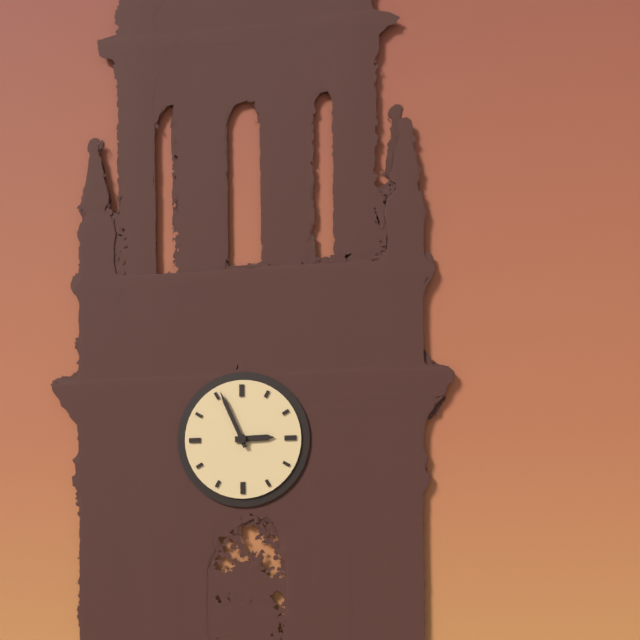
2:56
